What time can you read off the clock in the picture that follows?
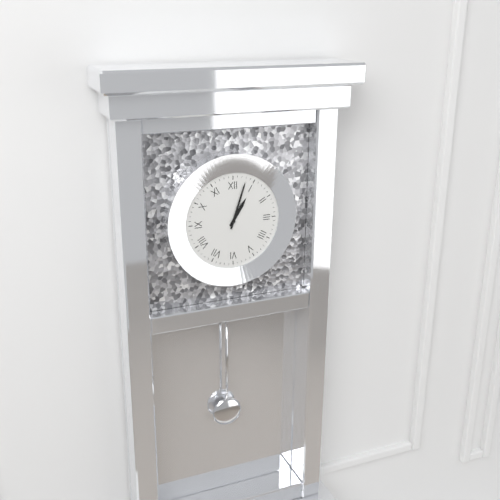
1:03
